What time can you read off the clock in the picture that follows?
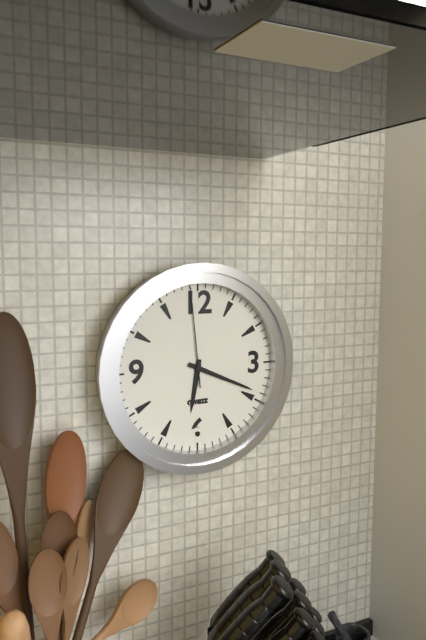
6:19:59
